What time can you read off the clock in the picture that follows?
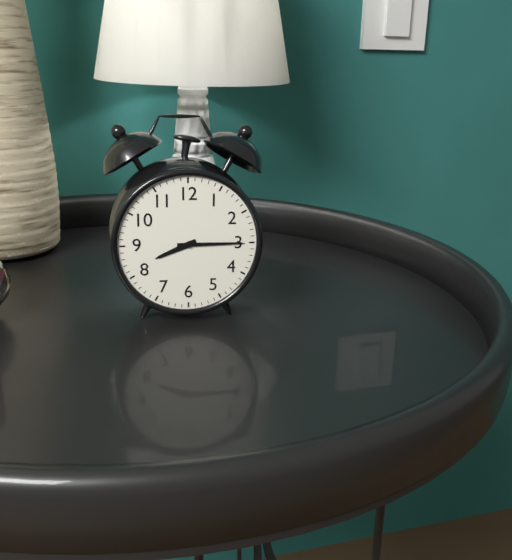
8:15
